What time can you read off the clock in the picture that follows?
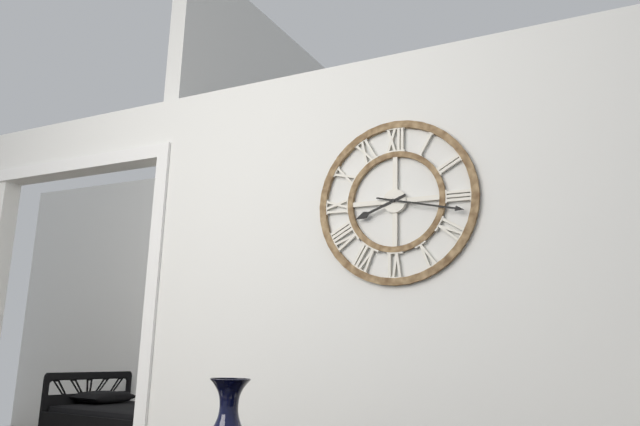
8:17
